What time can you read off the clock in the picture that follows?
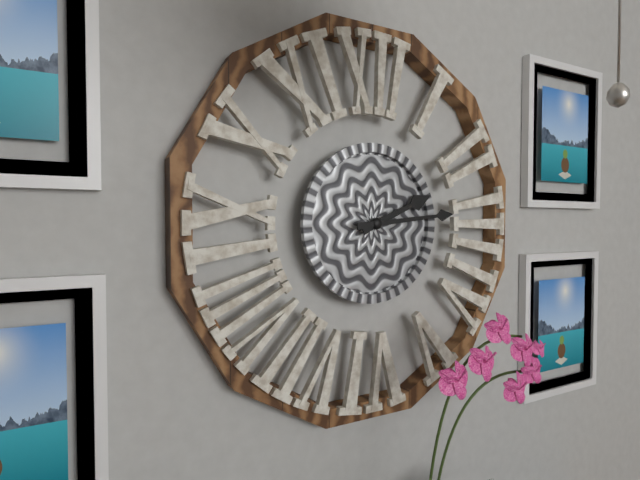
2:14
